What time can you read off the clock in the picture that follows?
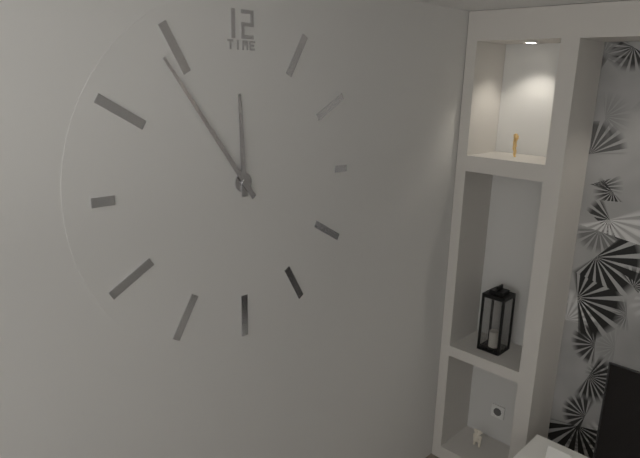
11:54
